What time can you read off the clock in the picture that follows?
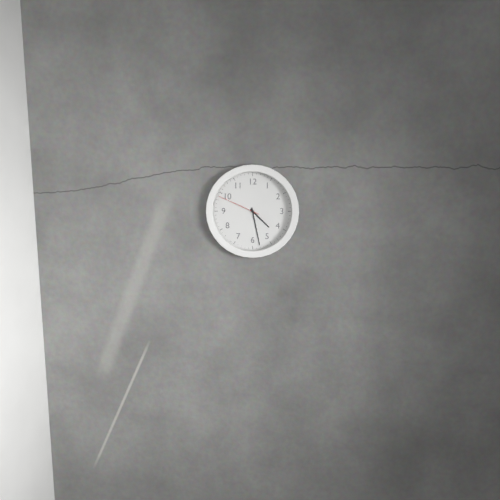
4:28
